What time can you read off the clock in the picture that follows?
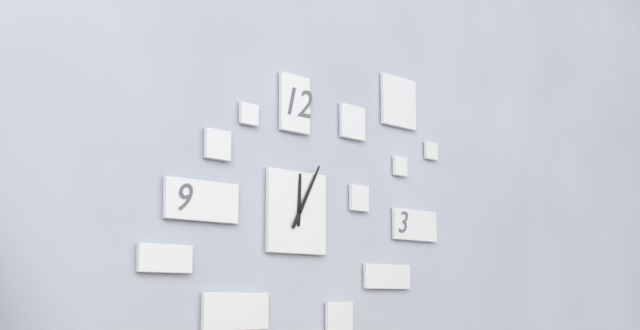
12:05
